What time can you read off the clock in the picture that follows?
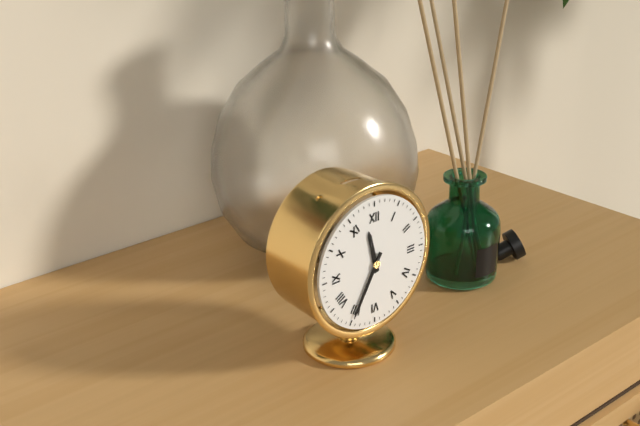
11:35
